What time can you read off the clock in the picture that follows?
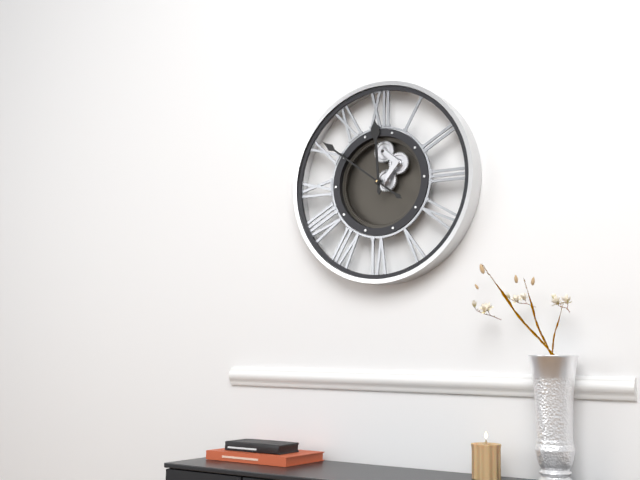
11:51
